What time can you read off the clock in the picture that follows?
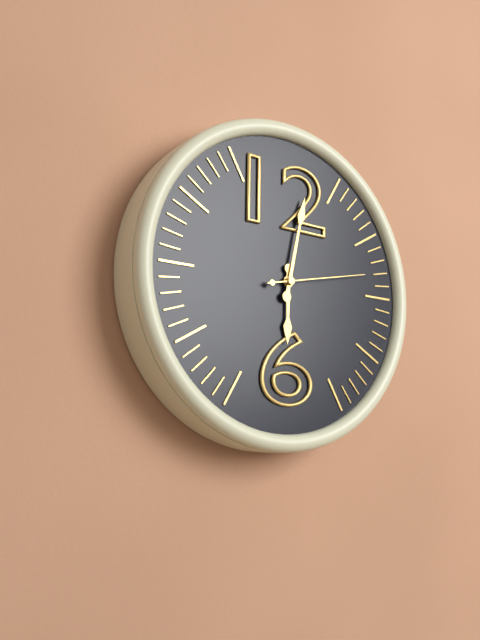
6:02:13
